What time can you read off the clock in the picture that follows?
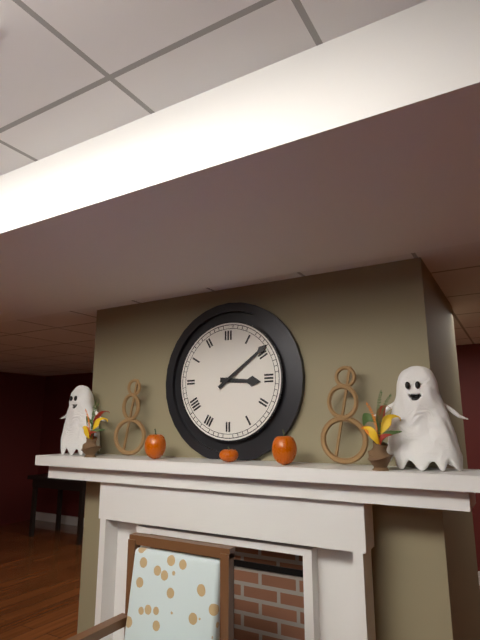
3:09
